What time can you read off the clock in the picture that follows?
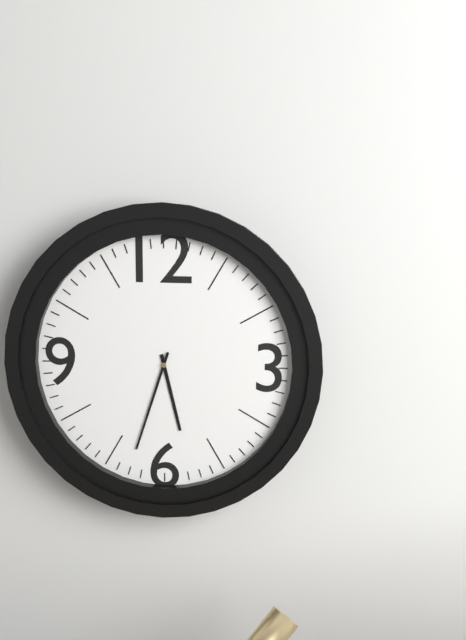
5:33
